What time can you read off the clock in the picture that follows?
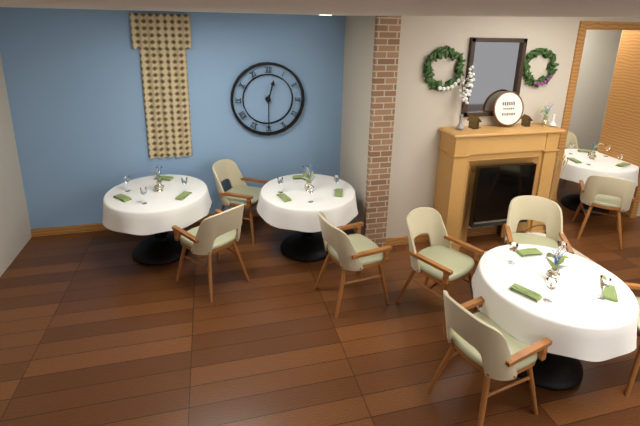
12:30
